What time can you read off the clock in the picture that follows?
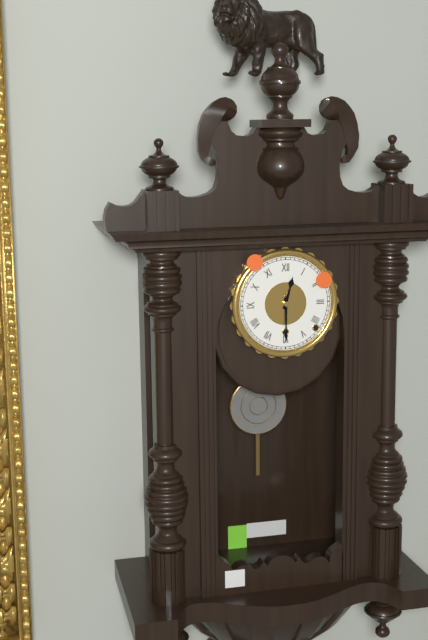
12:30
